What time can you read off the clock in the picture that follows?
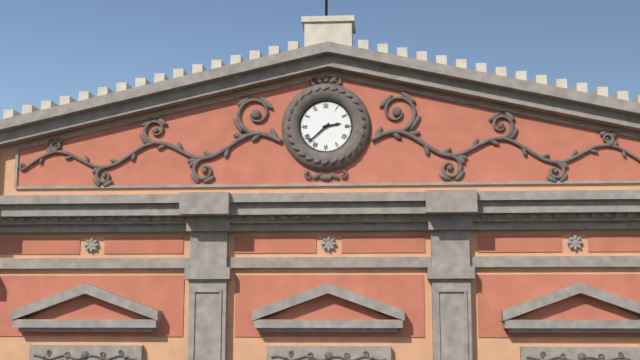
2:38
